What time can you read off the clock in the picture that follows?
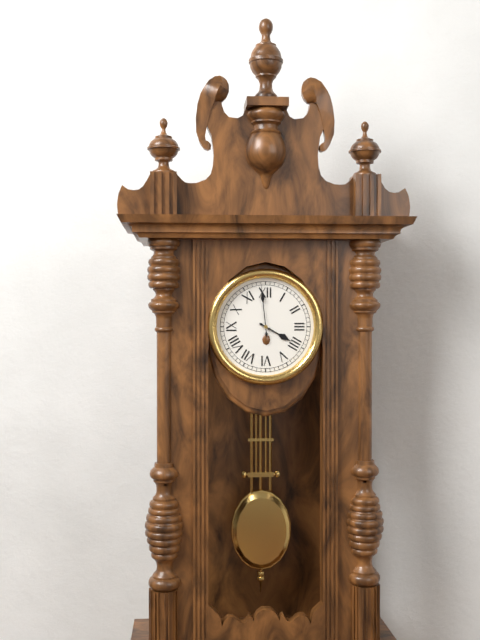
3:59
